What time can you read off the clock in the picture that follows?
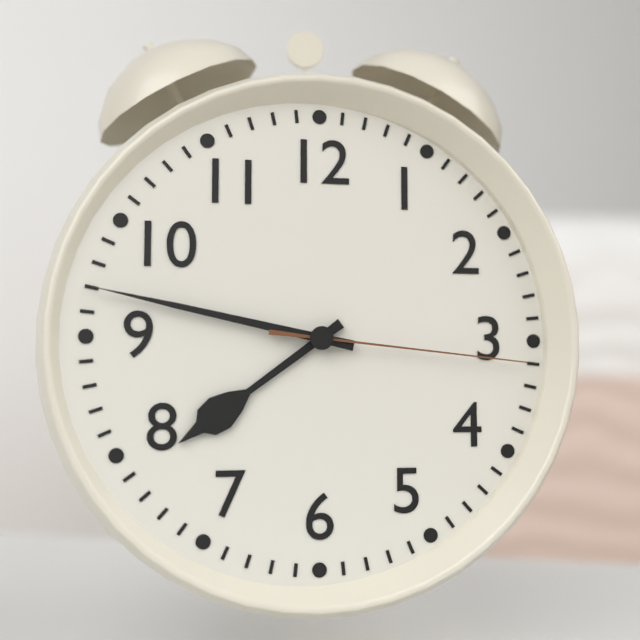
7:47:16
